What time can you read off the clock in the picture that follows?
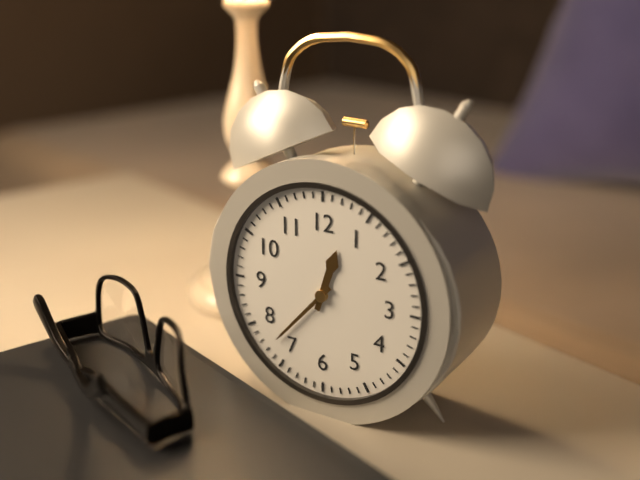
12:37
